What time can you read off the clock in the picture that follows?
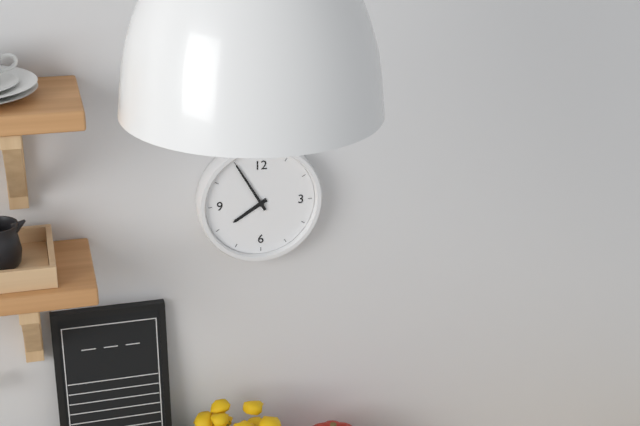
7:55
